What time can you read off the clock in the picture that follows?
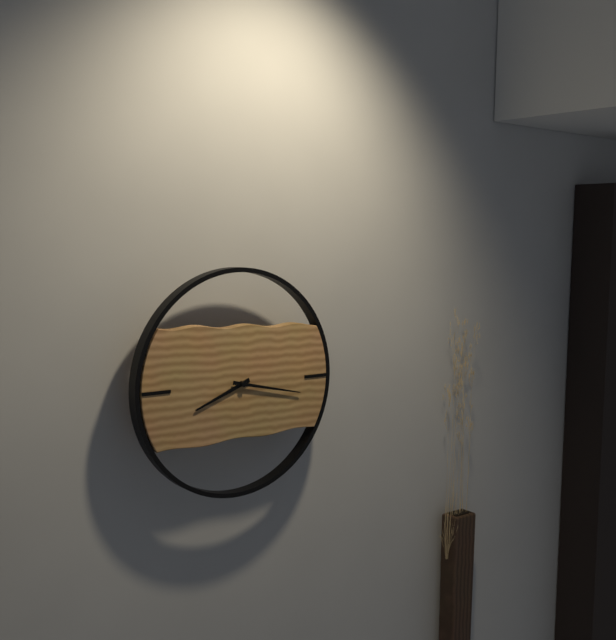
8:17
